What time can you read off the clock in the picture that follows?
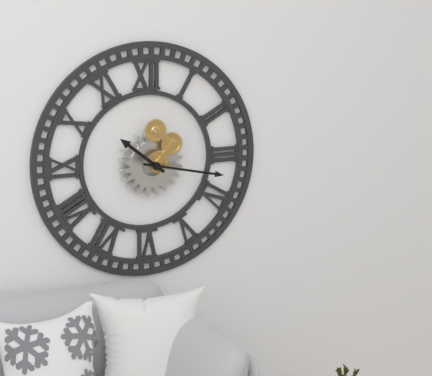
10:17
